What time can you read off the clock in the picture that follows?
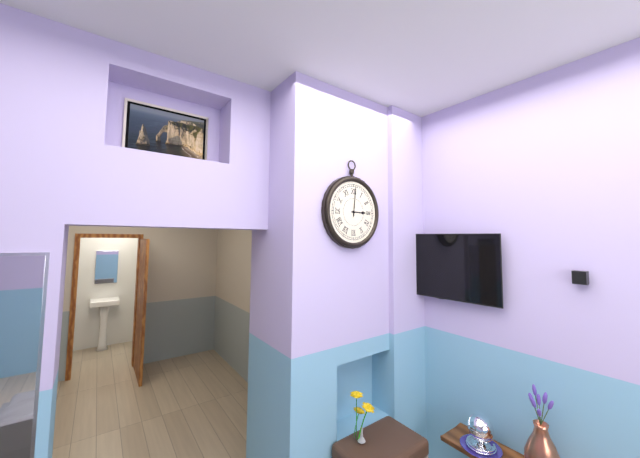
3:01
